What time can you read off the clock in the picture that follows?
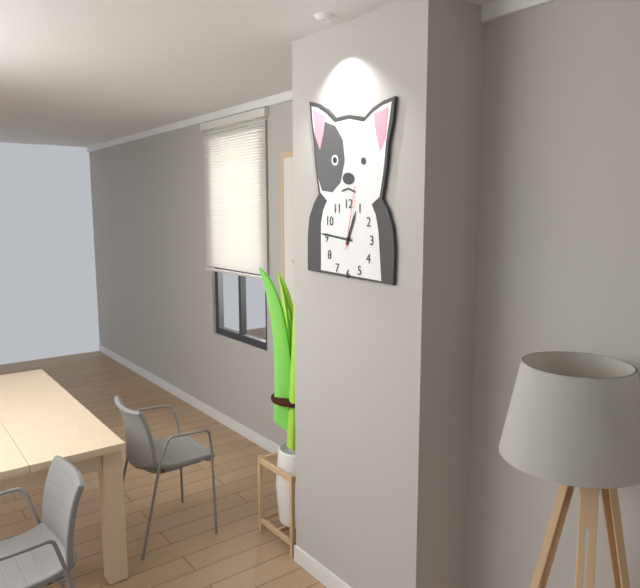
12:46:02
